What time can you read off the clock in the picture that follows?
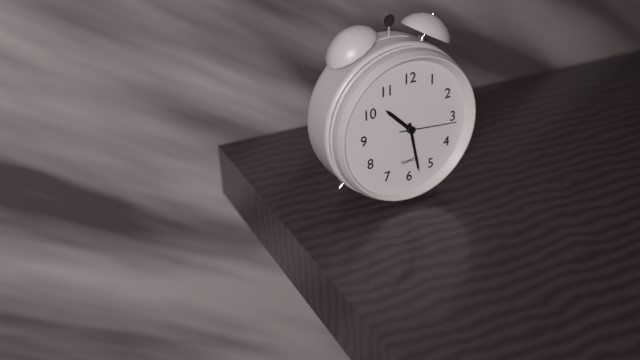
10:28:16
